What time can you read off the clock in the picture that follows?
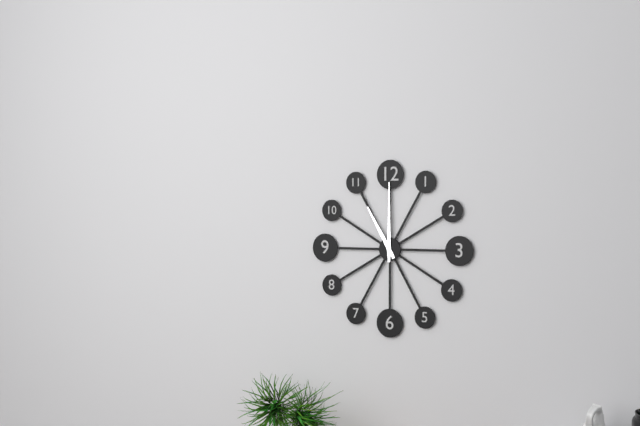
11:00
